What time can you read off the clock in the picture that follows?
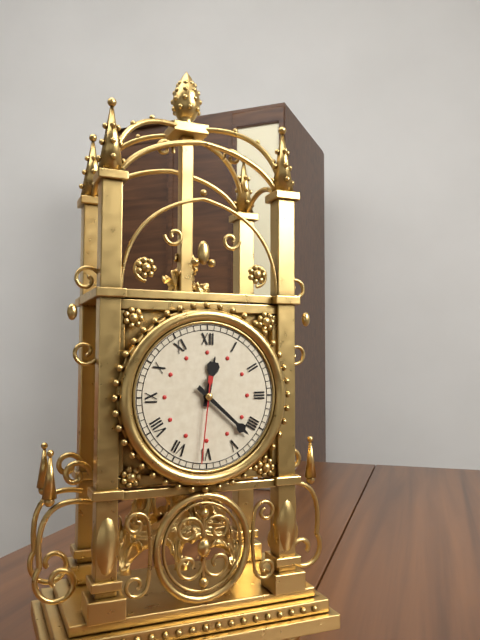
12:22:31
